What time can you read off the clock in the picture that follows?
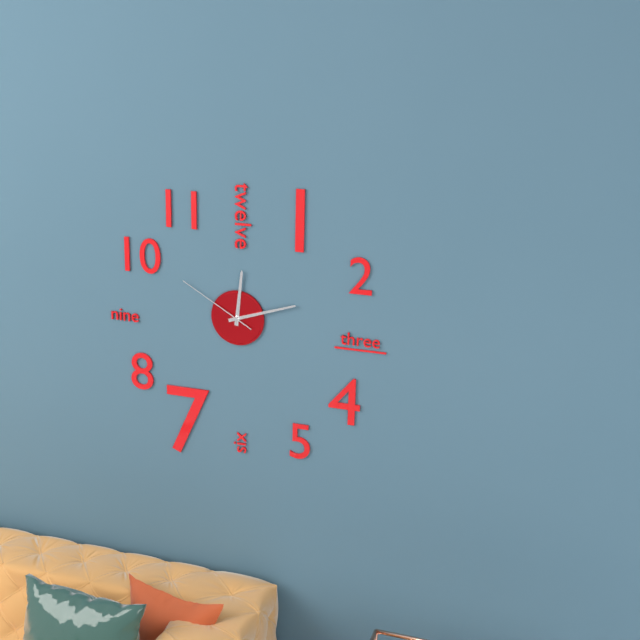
12:12:50
